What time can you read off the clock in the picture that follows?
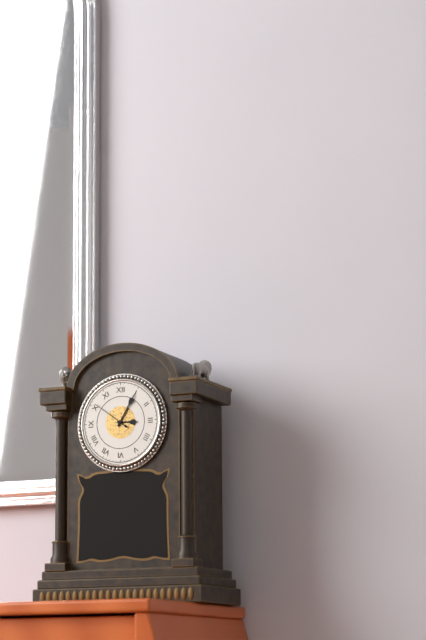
3:05
